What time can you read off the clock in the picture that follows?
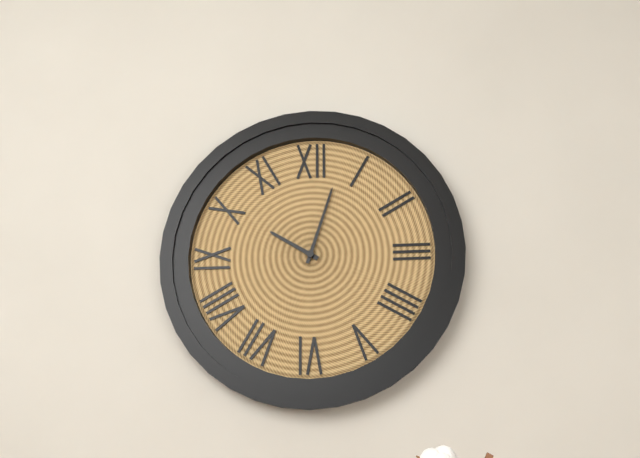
10:03
